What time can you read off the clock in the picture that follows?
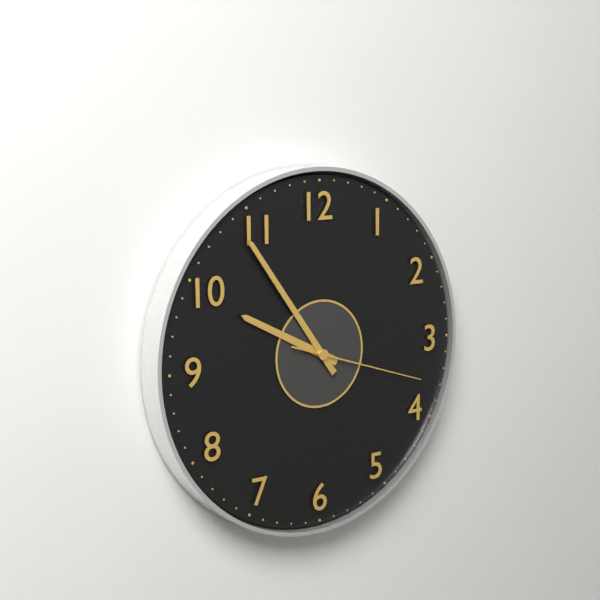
9:54:18
